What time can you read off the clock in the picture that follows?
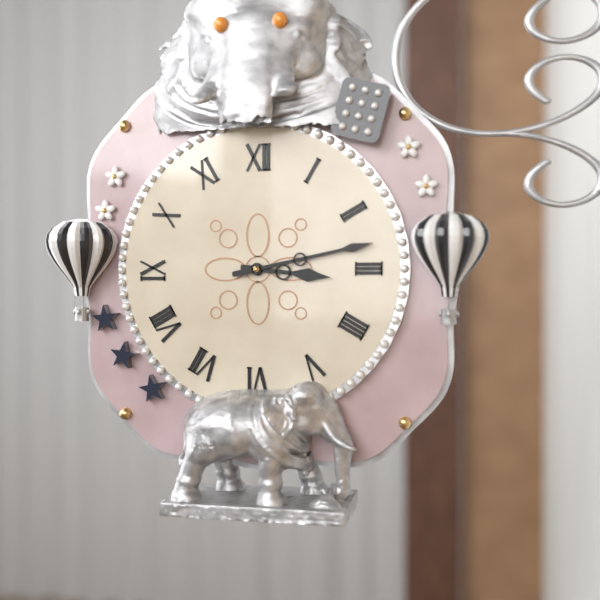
3:13
